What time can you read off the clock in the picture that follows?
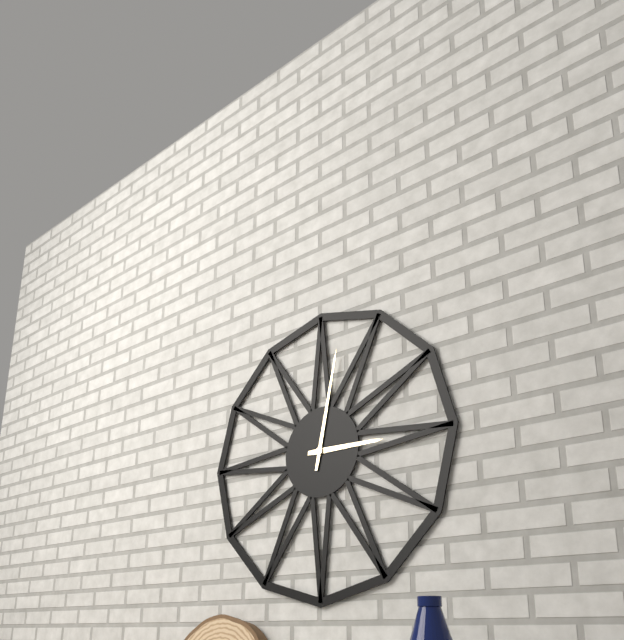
3:02
